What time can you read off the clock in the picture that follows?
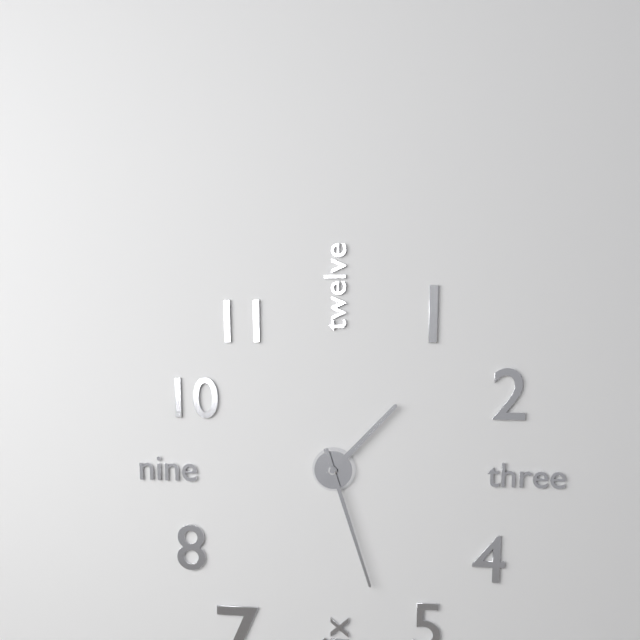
1:27
